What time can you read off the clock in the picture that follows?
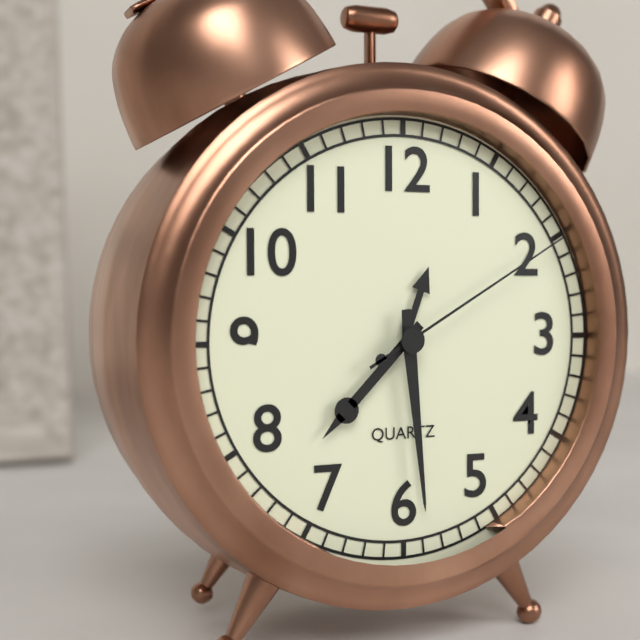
7:29:10
